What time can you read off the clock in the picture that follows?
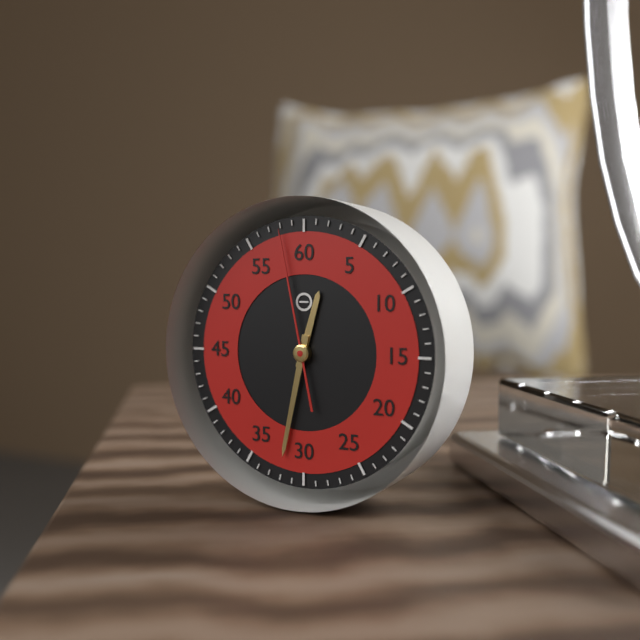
12:32:58
